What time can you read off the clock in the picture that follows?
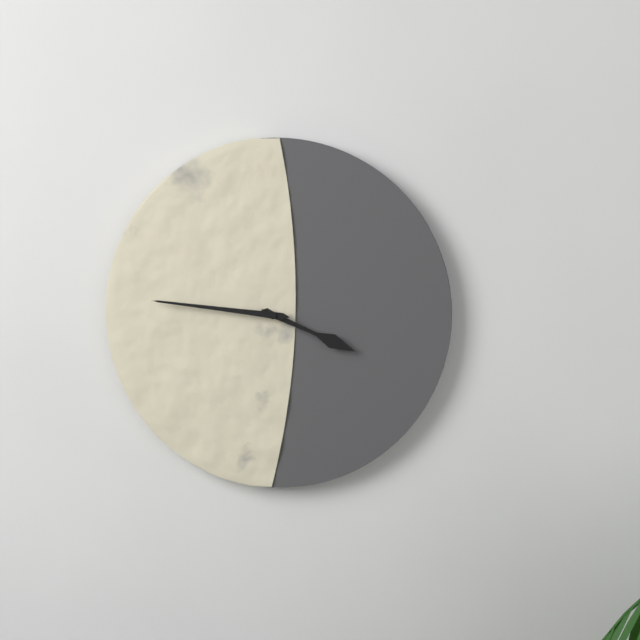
3:46
